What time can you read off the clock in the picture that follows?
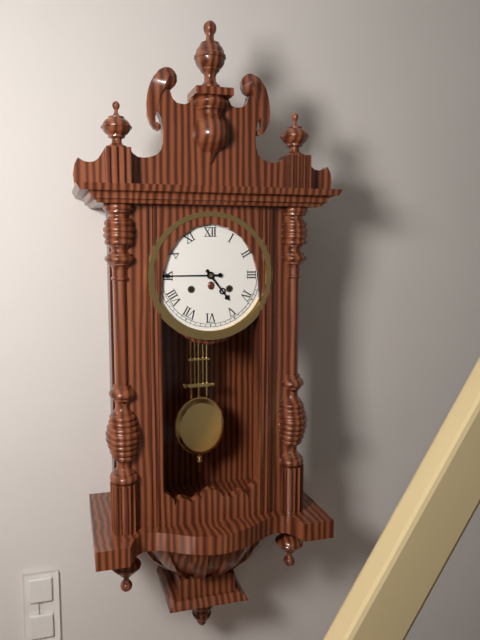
4:45
